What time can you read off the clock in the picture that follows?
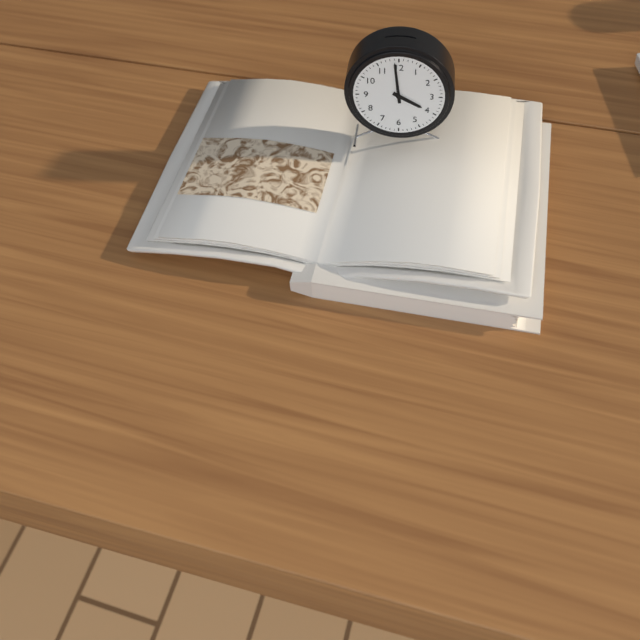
3:59
